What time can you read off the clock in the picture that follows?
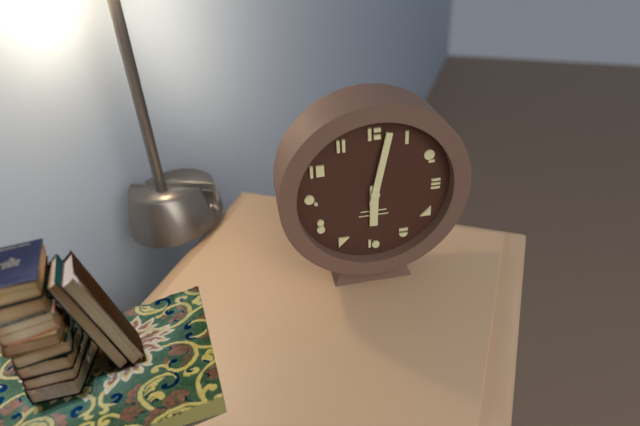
6:02
